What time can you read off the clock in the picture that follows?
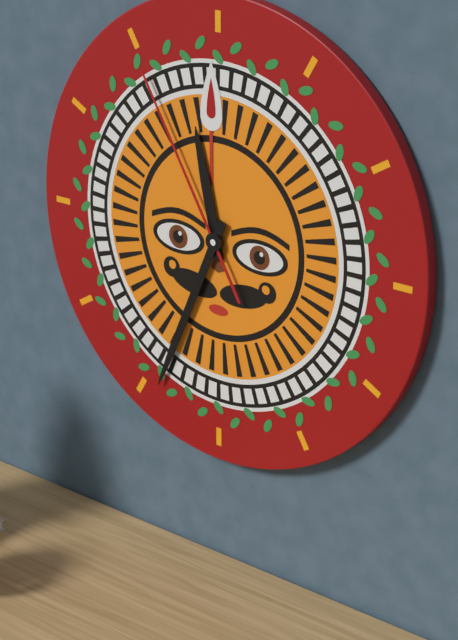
11:34:55
